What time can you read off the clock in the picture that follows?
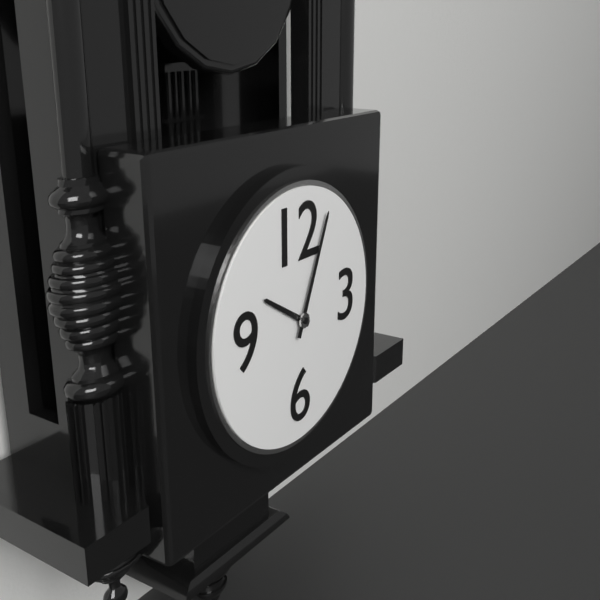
10:04
